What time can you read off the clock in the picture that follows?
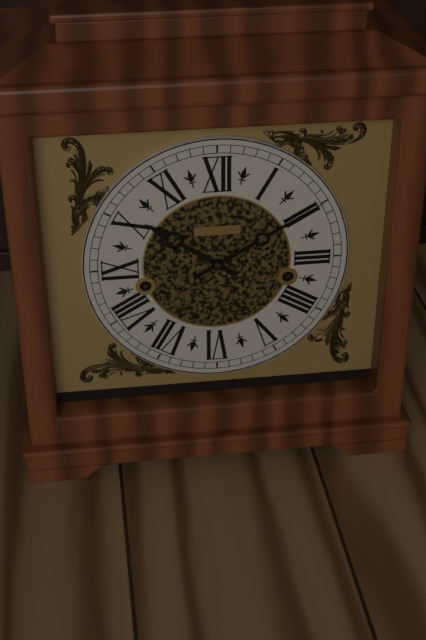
10:10
